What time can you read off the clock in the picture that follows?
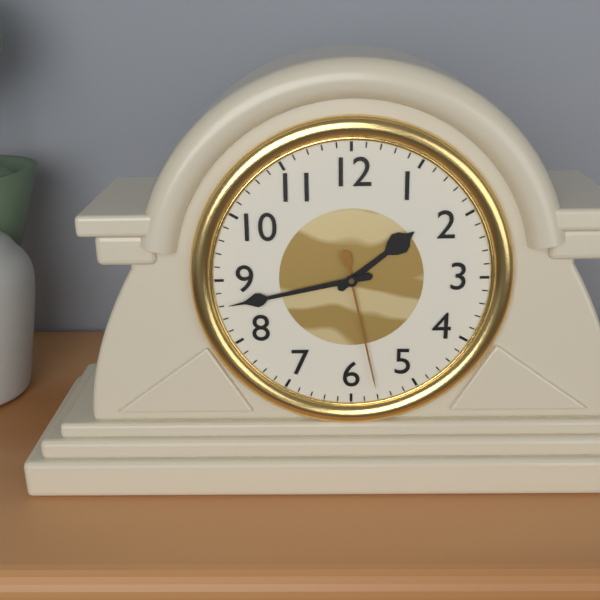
1:43:28
